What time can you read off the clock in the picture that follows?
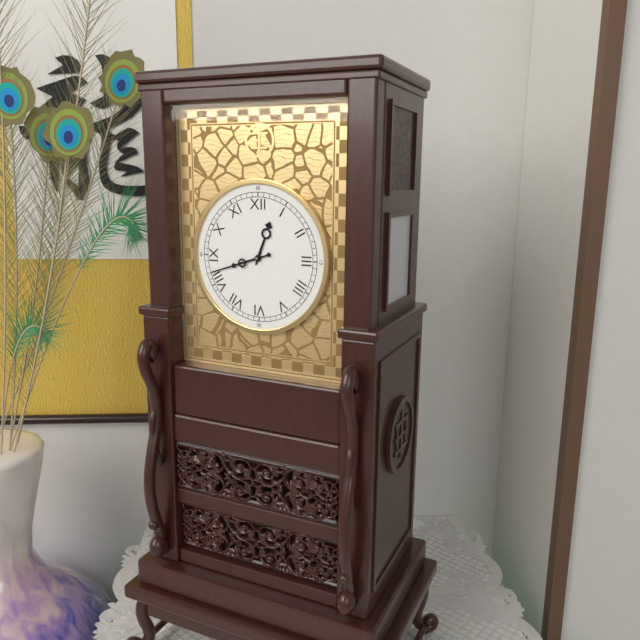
12:42
